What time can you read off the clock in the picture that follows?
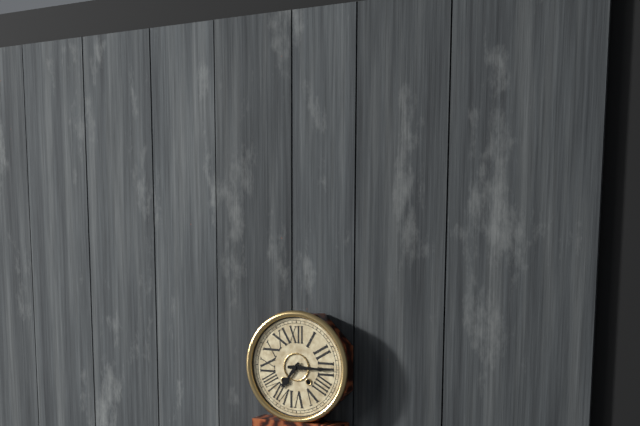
7:15
